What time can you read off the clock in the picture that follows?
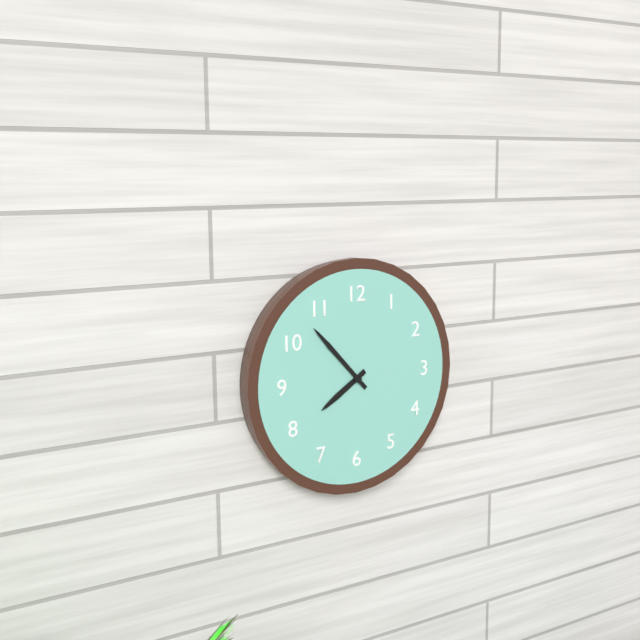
7:53
